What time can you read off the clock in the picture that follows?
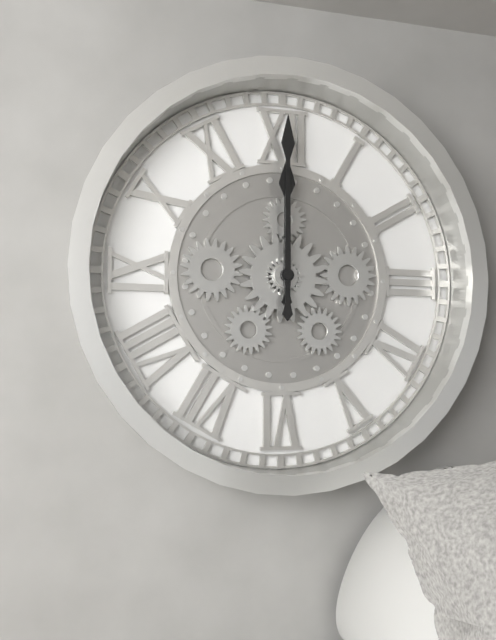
12:00
